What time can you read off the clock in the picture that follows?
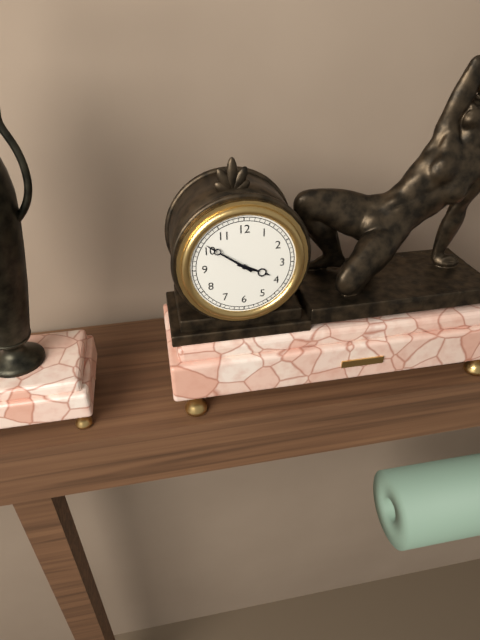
3:51
